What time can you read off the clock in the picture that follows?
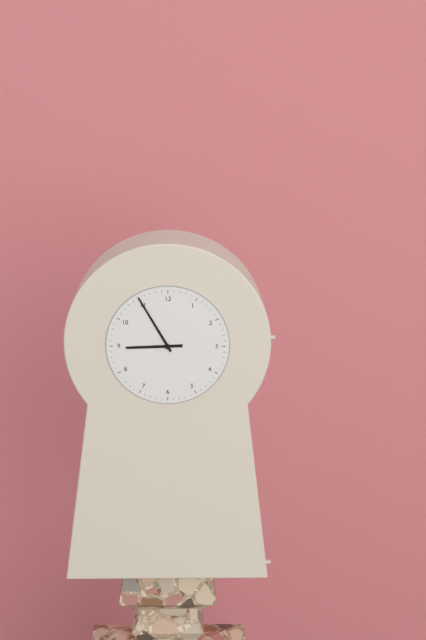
8:55
